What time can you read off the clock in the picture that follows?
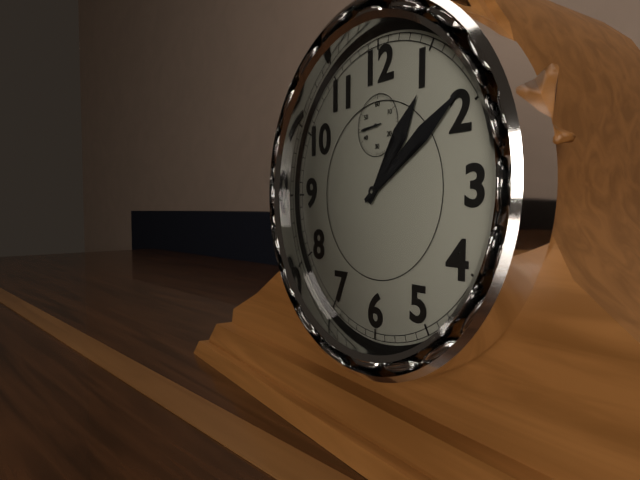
1:09
